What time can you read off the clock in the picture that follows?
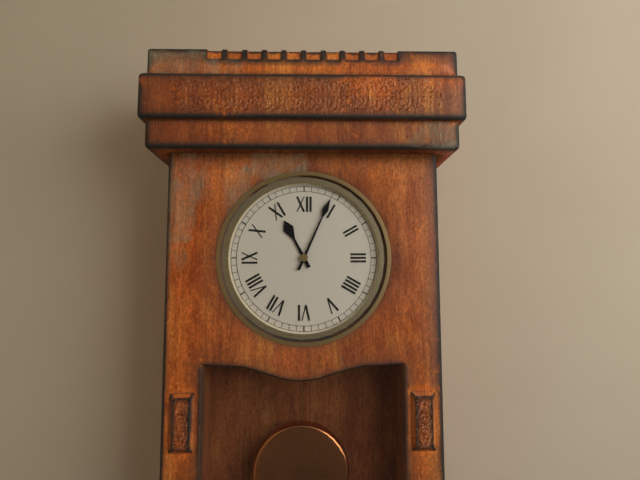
11:04
